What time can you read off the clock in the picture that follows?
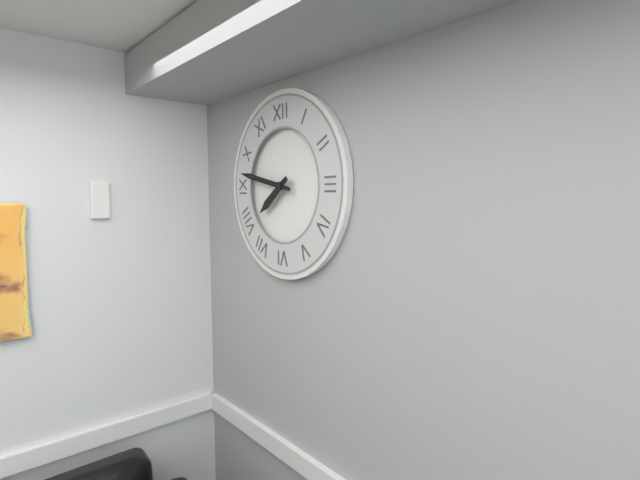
7:47
